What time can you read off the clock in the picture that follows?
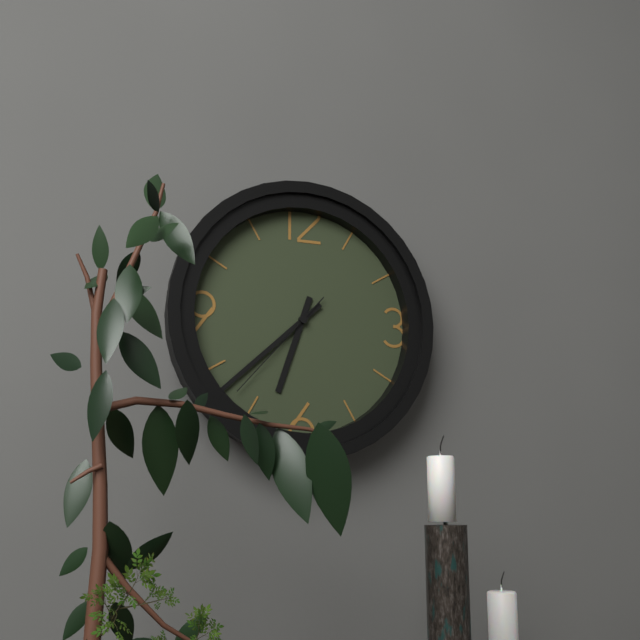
6:38:37
